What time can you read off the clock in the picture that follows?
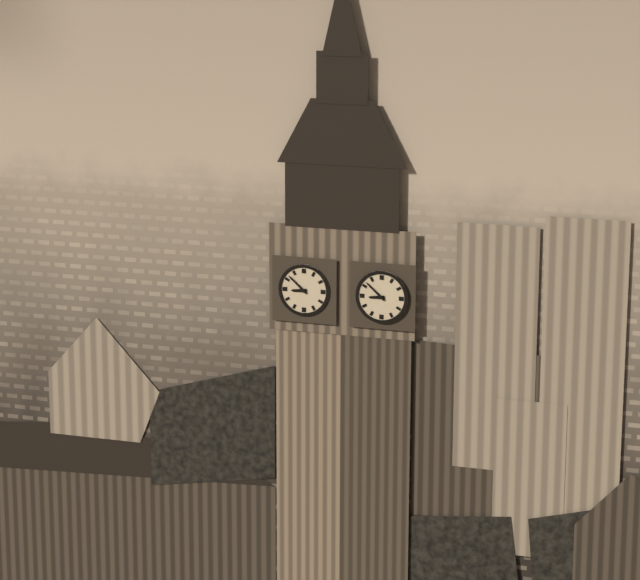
8:52
